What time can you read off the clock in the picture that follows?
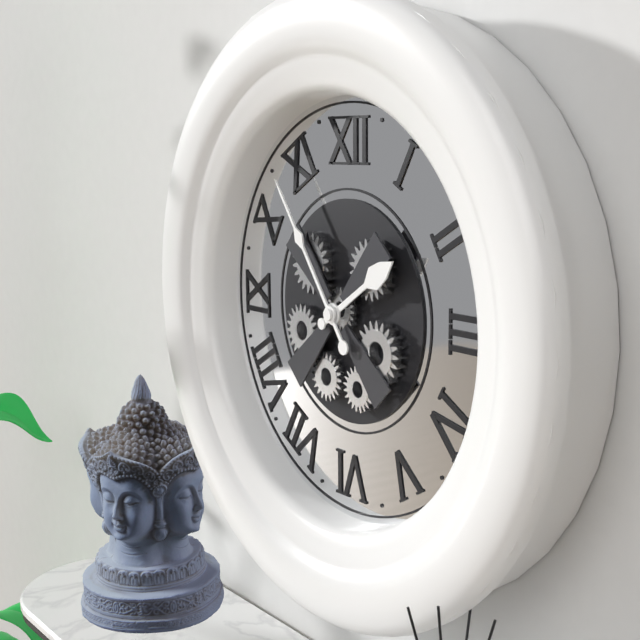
1:54
